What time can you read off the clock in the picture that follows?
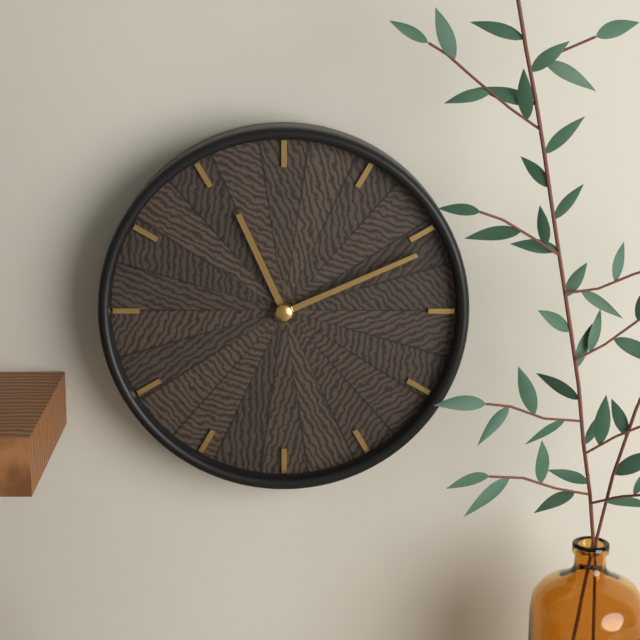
11:11
